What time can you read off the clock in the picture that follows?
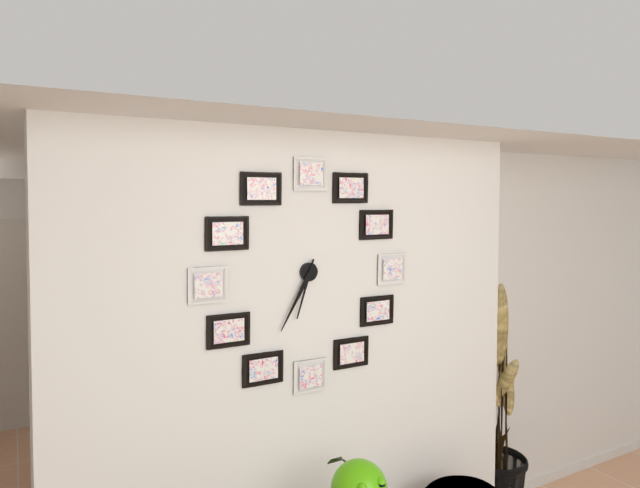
6:35
